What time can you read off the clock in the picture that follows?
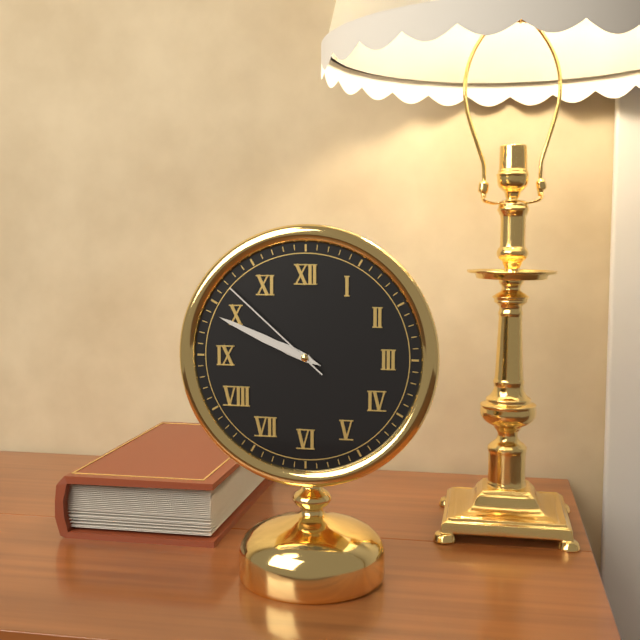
9:49:52
